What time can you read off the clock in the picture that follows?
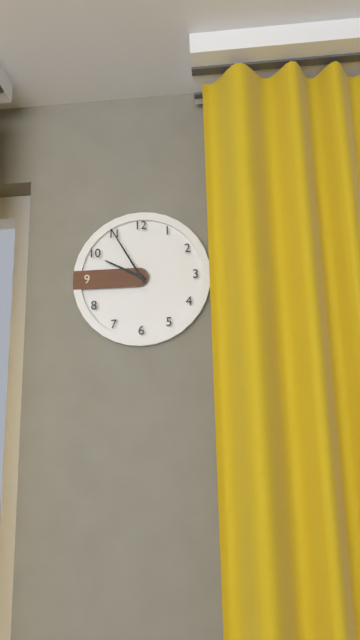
9:55
